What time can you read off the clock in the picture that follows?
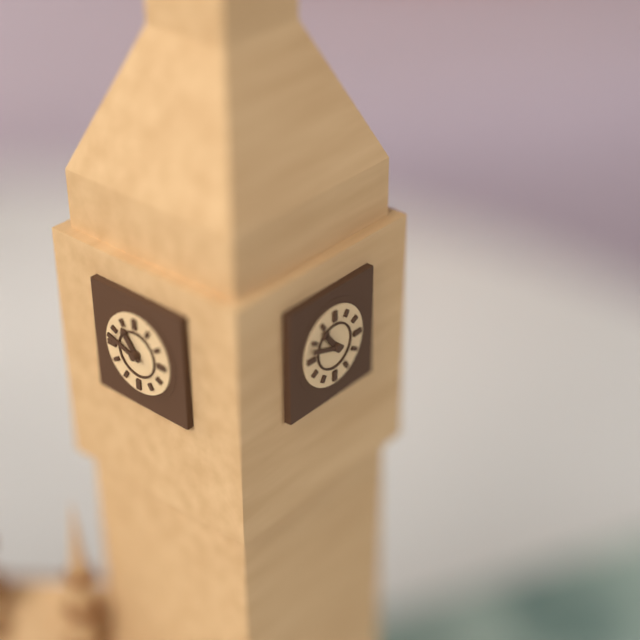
10:48
